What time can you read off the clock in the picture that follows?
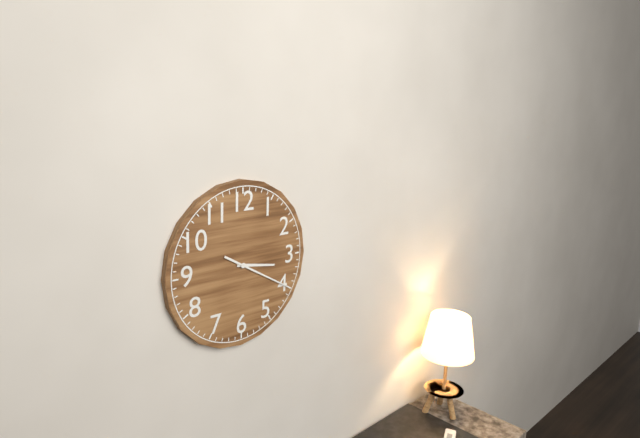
3:20
